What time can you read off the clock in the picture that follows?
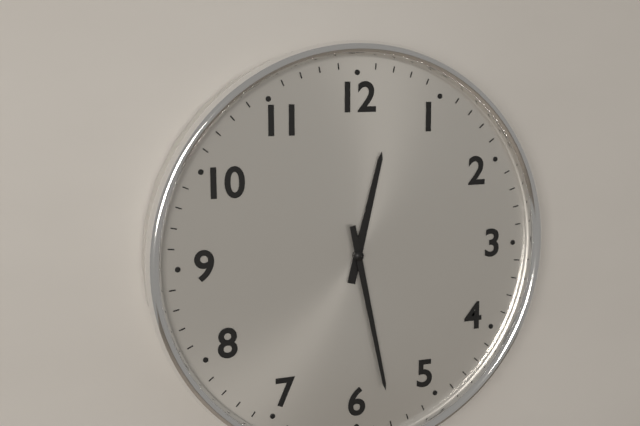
12:28
